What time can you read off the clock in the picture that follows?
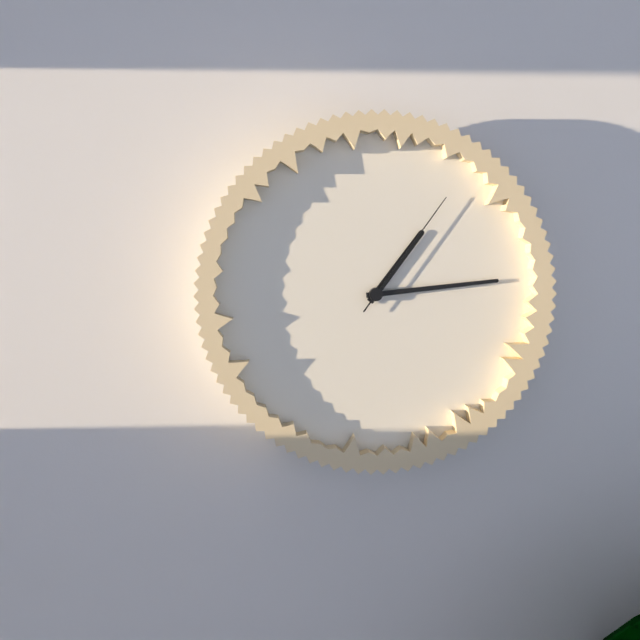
1:14:06
